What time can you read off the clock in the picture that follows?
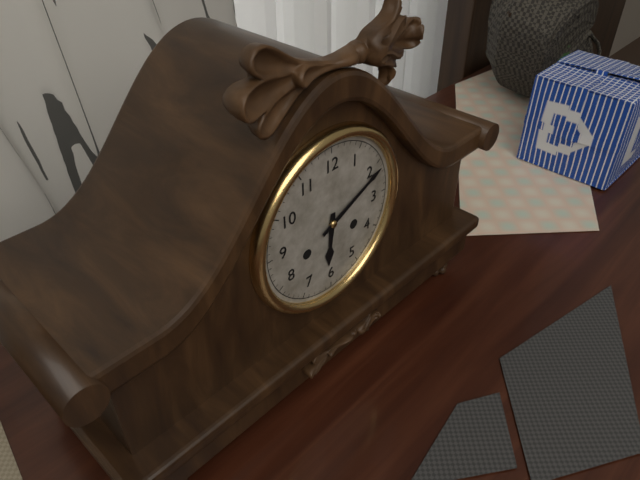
6:11
